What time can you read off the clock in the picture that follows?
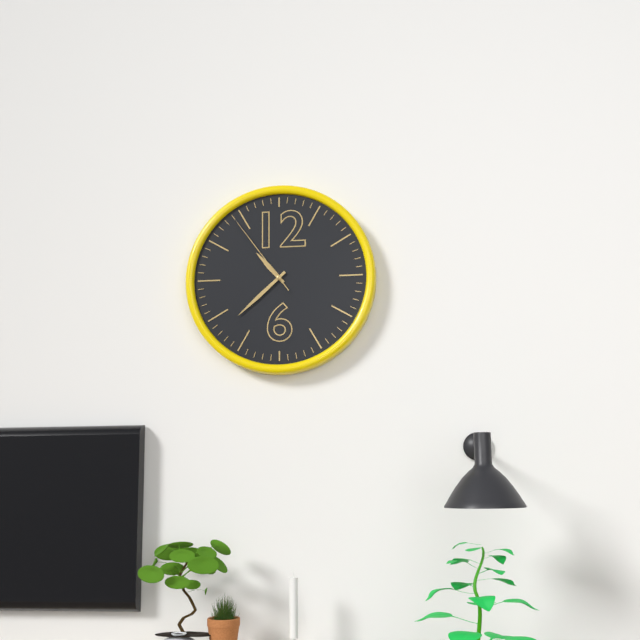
10:38:54
